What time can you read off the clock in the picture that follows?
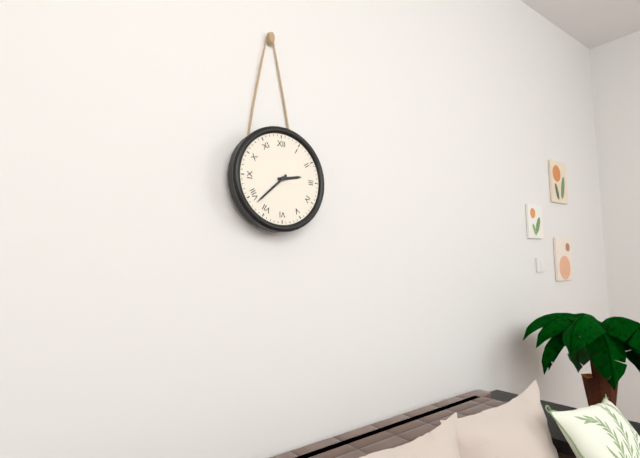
2:38
